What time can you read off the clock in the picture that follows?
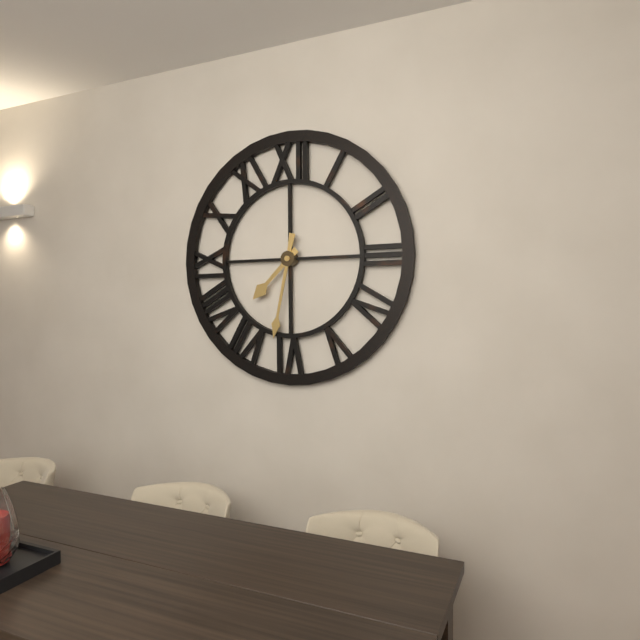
7:32
